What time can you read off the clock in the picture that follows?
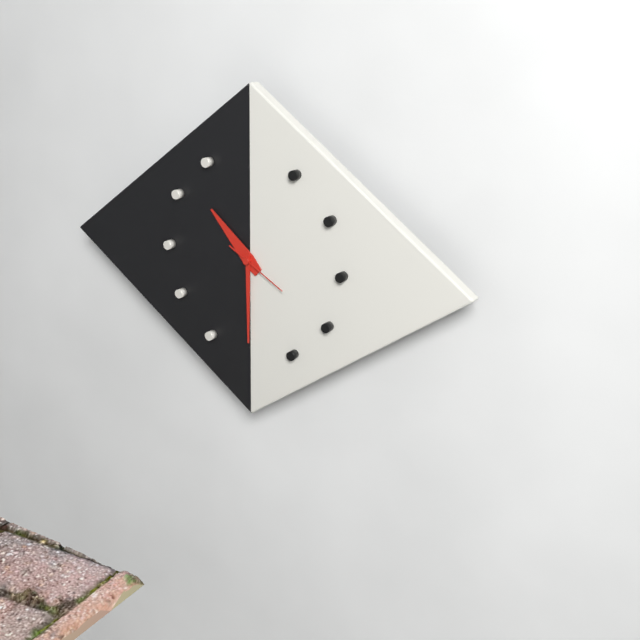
10:30:20
